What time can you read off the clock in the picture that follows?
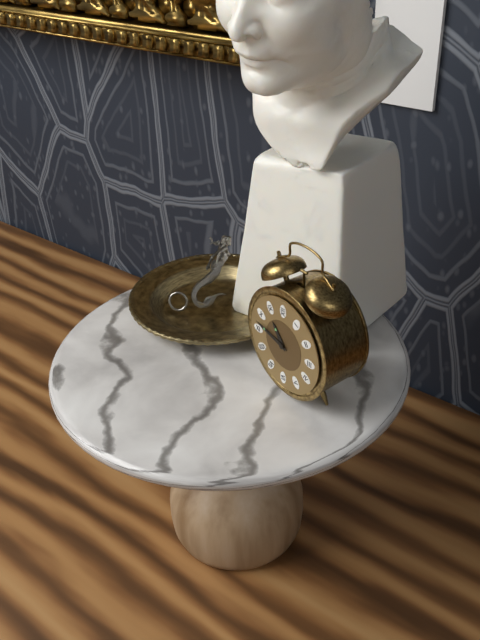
10:47
